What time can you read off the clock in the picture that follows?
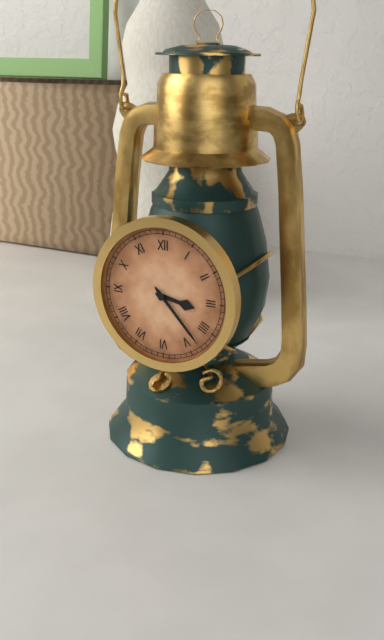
3:23
